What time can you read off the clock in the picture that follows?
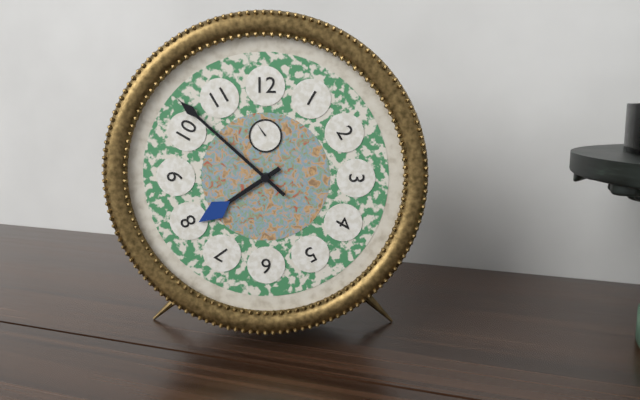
7:52
